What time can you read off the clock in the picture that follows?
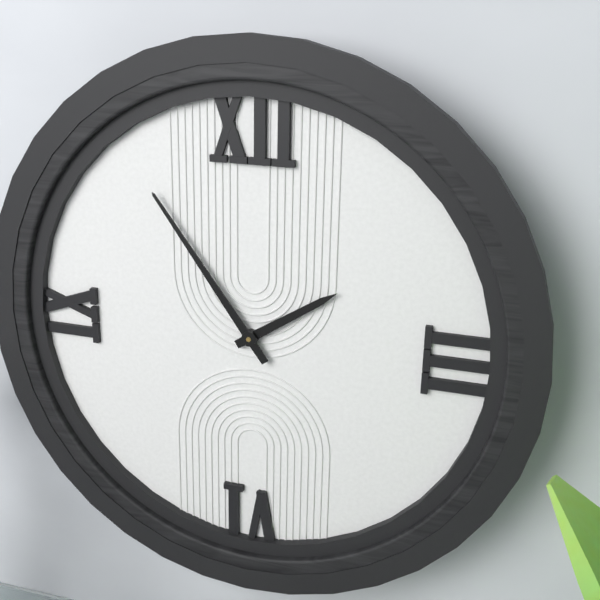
1:54
